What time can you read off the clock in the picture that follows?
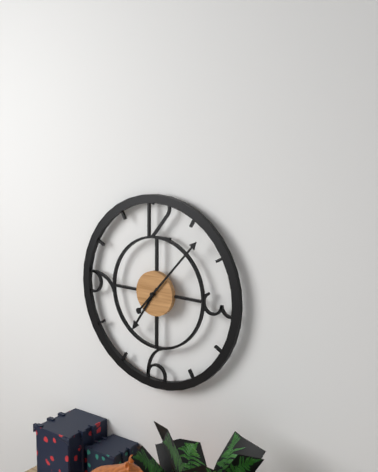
7:07
